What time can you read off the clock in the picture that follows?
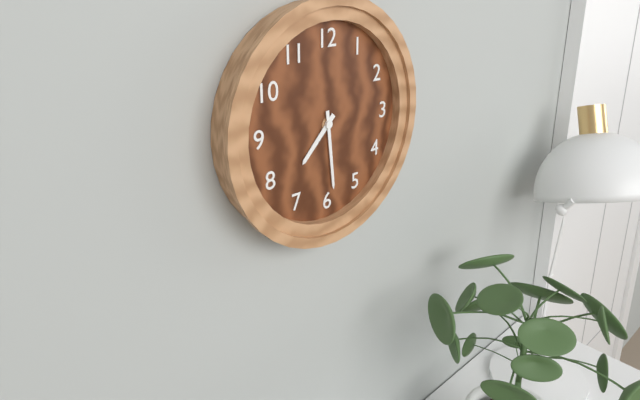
7:29
